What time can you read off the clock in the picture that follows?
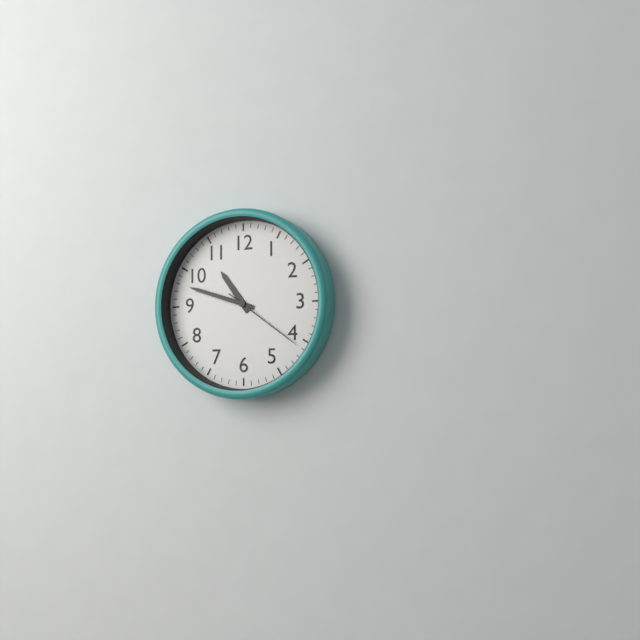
10:48:21
